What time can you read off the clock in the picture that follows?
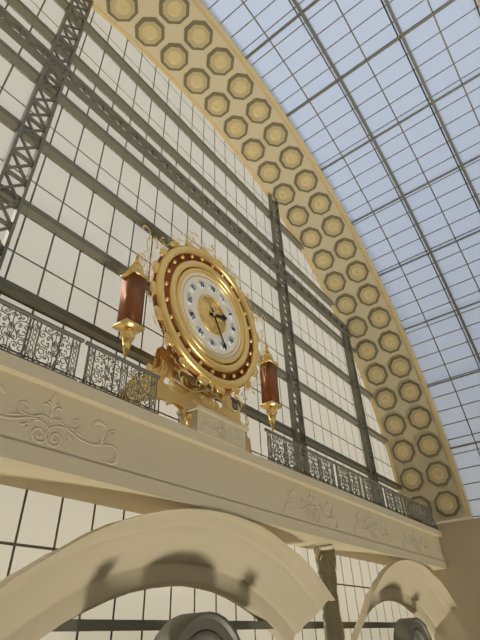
2:25
